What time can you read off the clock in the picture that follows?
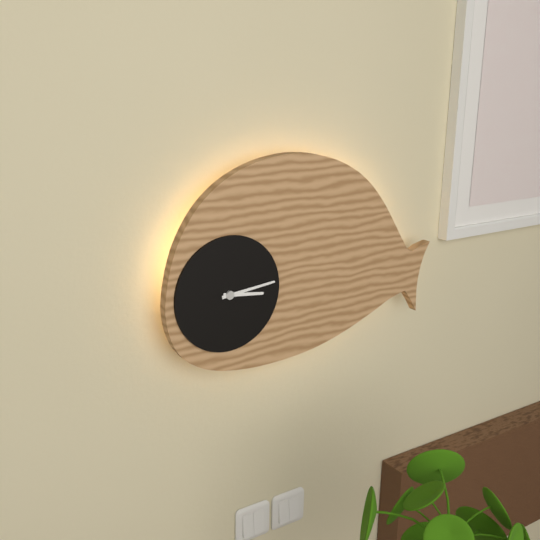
3:14
